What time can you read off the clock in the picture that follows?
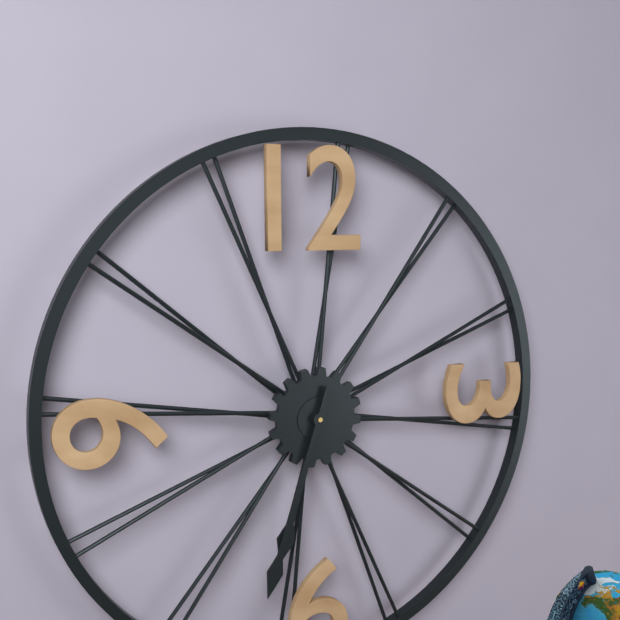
6:33
